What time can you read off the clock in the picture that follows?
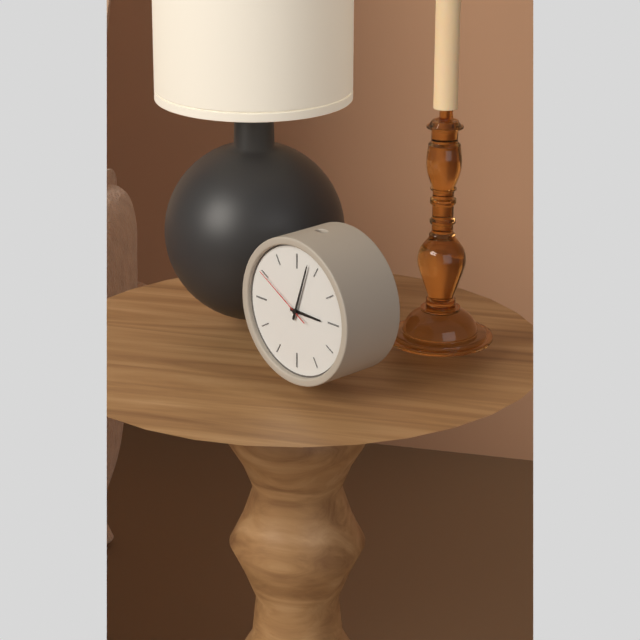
3:03:50
